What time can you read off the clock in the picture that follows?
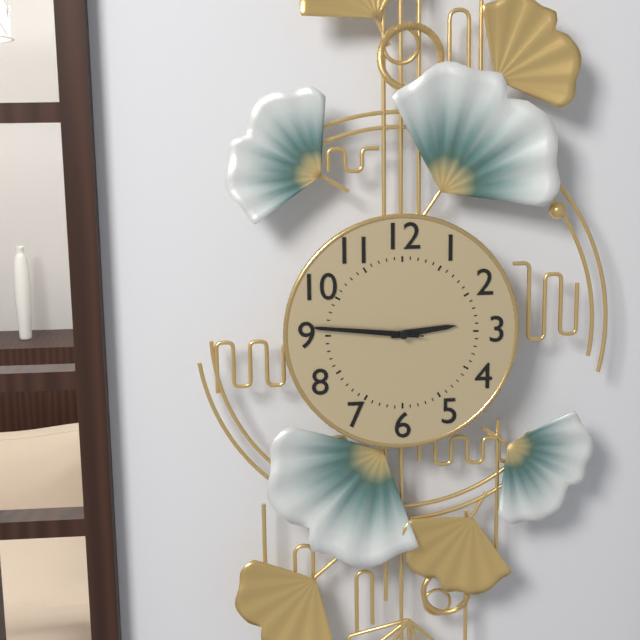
2:46:46
